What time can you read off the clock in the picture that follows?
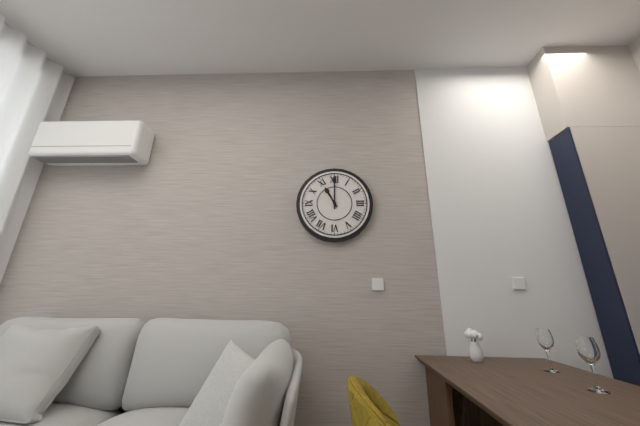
11:00
